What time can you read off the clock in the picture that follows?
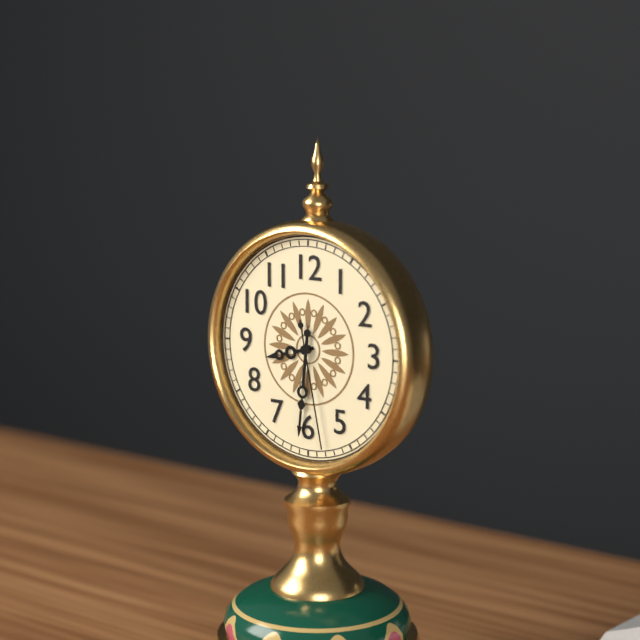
8:31:28
